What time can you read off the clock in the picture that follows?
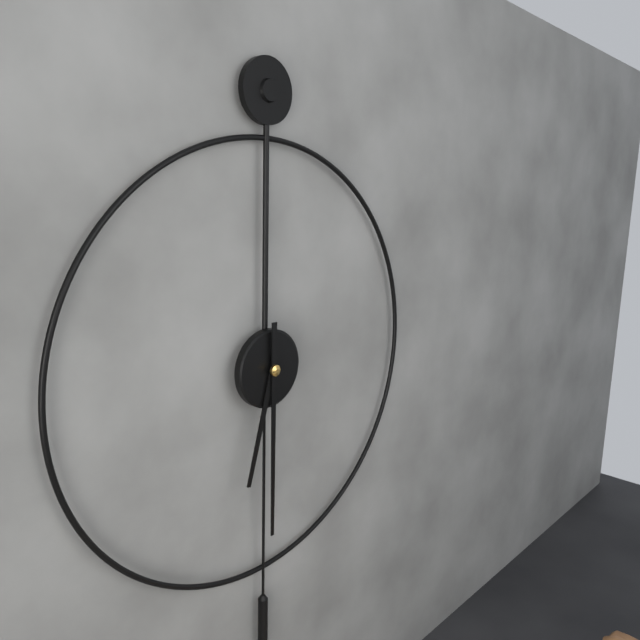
6:30
